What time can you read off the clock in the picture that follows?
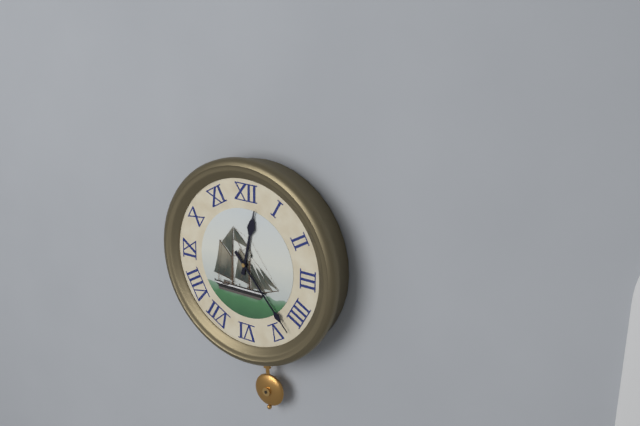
12:23
